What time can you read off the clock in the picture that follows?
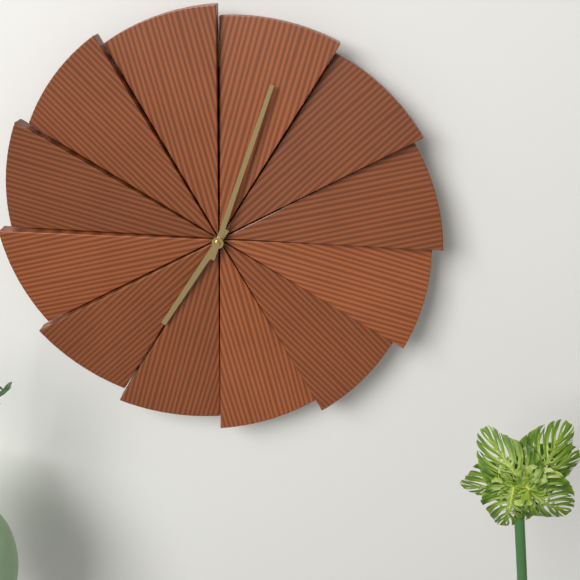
7:03
